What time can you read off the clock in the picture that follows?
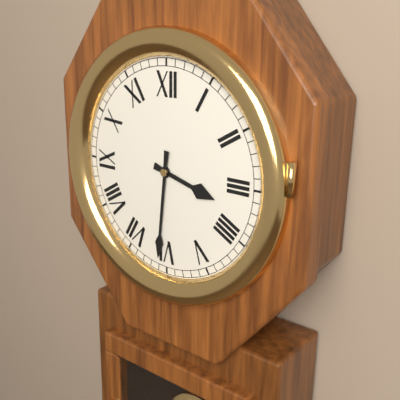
3:31
